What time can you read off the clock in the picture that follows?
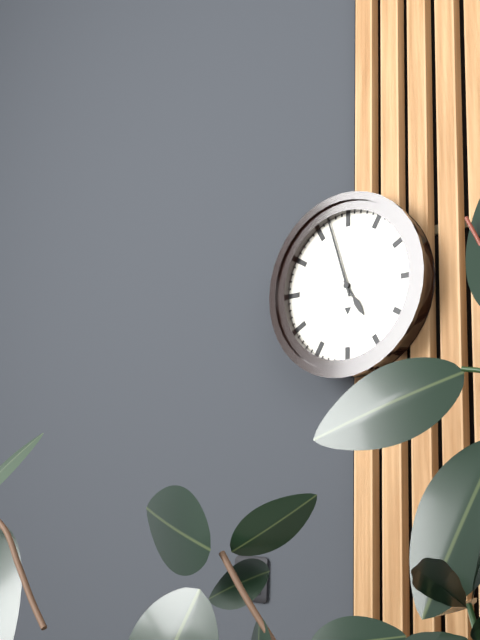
4:57
